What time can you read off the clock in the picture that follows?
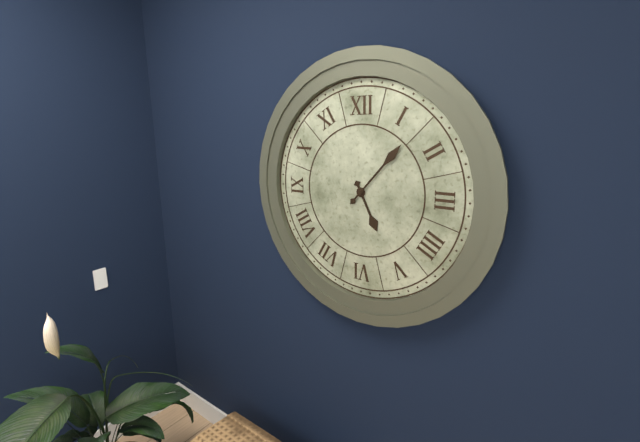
5:07
